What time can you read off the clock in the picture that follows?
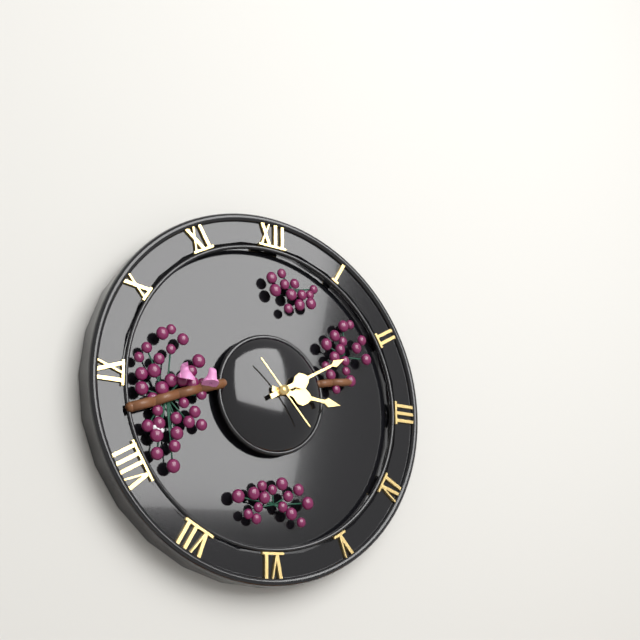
3:10:23
